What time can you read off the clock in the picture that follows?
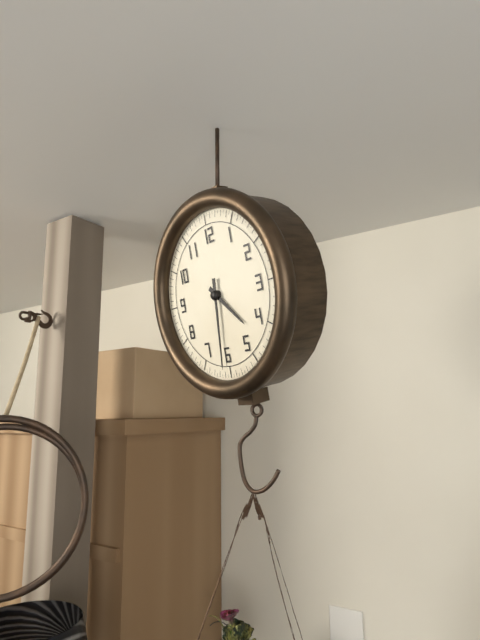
4:31
